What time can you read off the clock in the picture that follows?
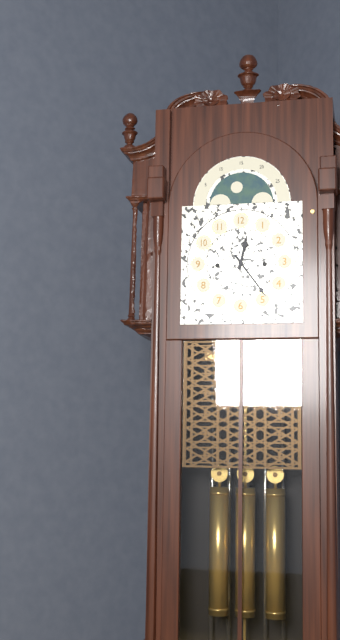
12:24
